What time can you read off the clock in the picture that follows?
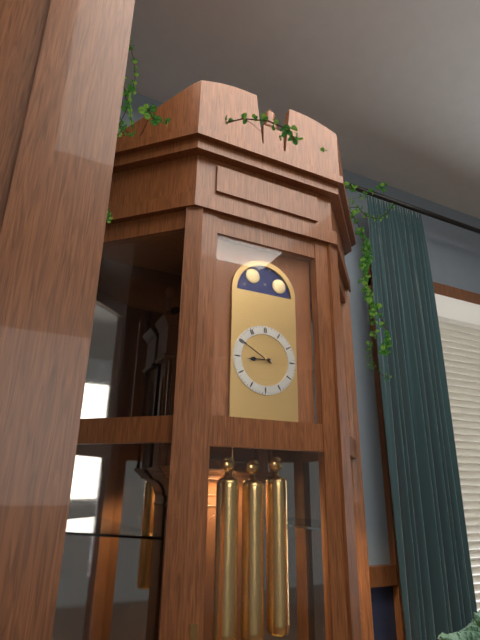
8:50
